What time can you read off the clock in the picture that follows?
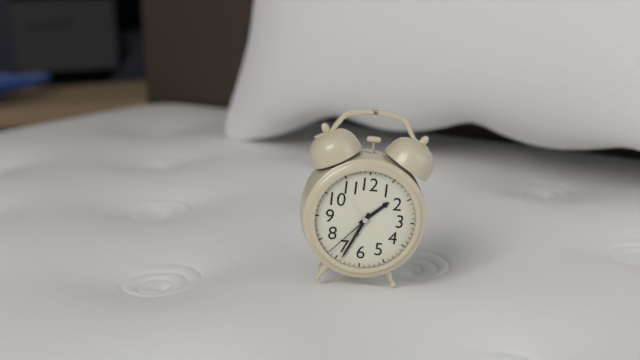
1:34:37
